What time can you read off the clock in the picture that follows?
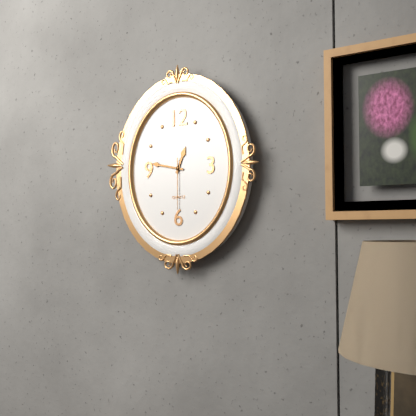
12:47:30
